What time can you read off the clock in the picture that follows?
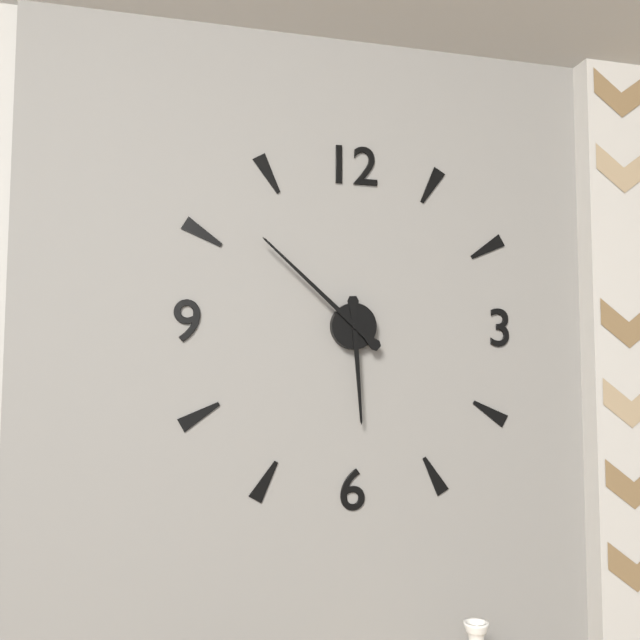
5:52
